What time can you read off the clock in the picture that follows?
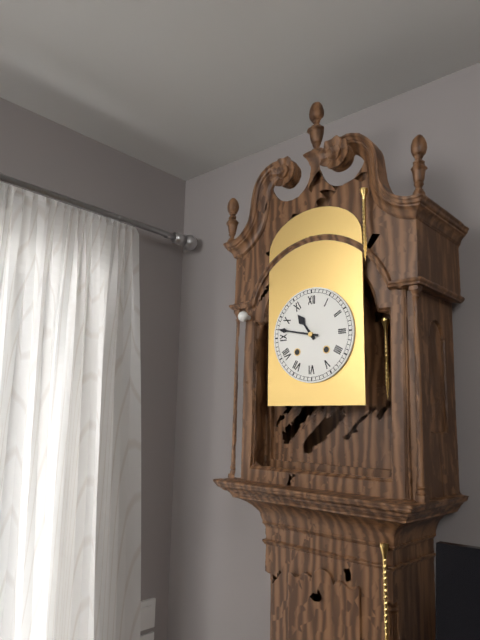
10:47
